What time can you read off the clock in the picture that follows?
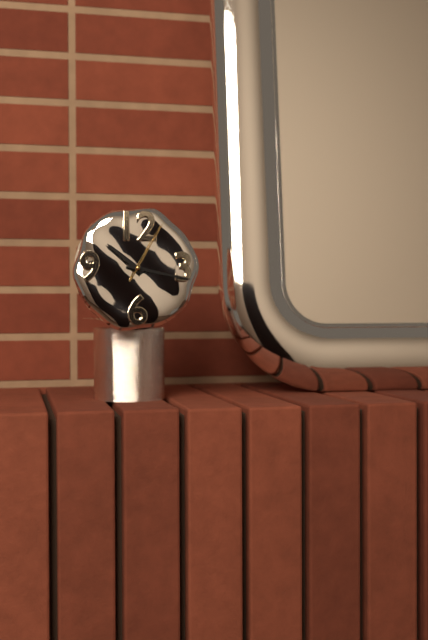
10:17:05
